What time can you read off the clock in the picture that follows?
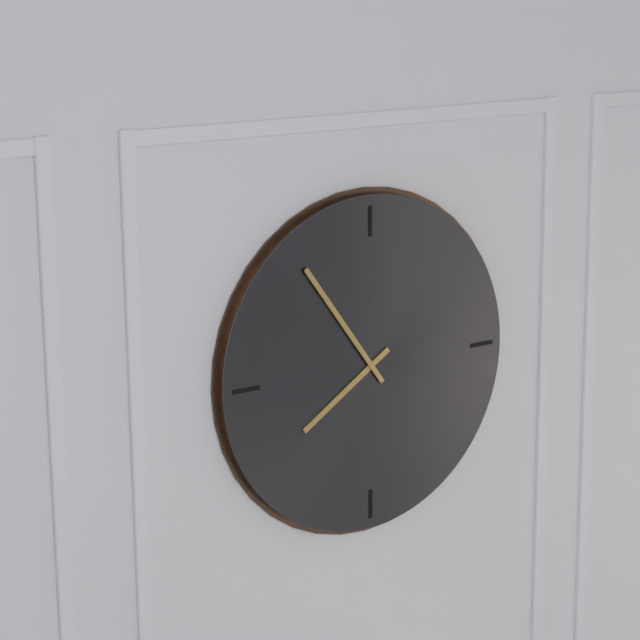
7:54
